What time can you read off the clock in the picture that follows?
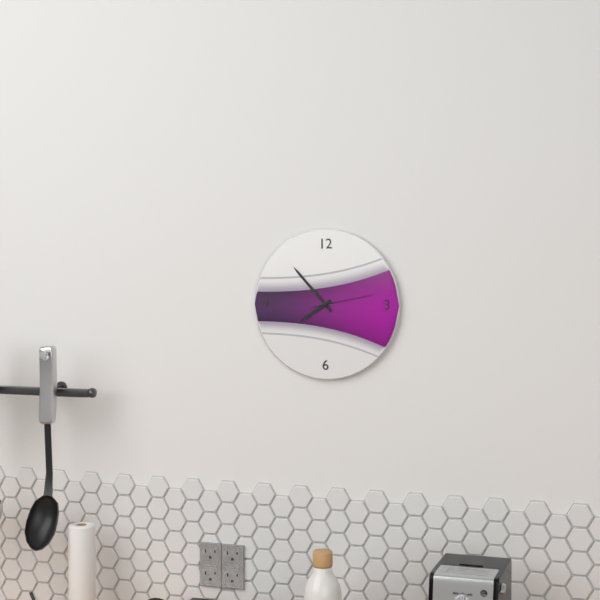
7:53:13
